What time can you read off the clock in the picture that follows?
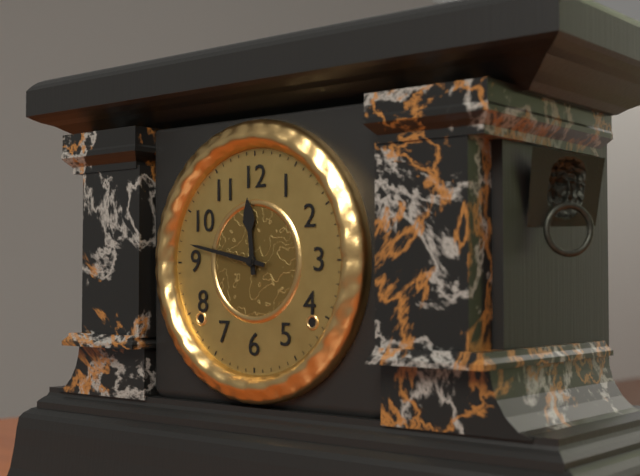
11:47
